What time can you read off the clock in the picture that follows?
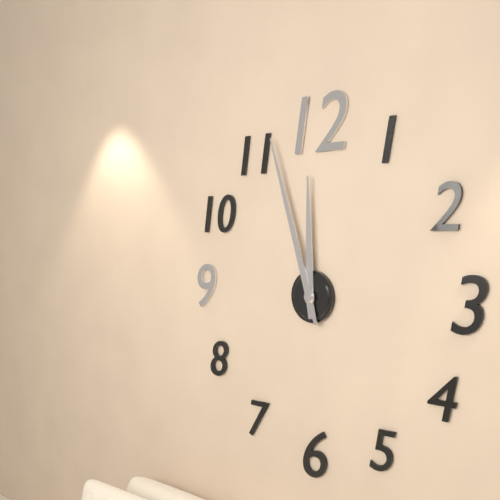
11:57
